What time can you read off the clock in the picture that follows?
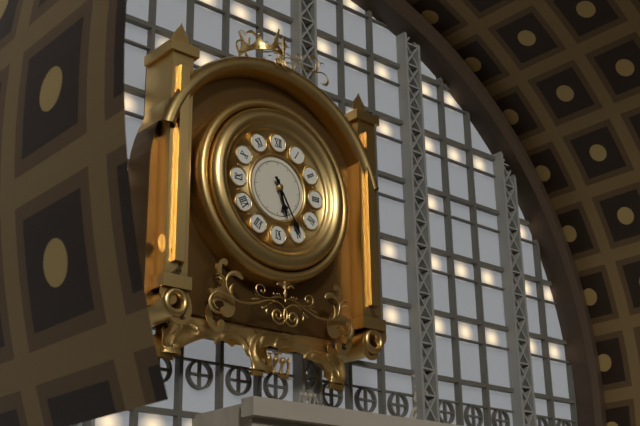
5:25
